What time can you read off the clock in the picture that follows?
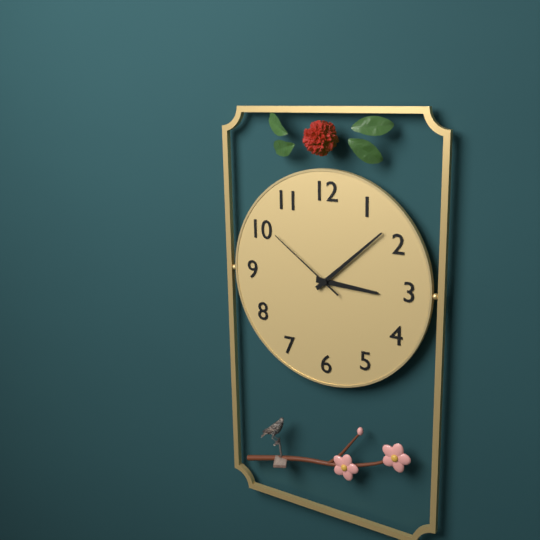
3:08:51
